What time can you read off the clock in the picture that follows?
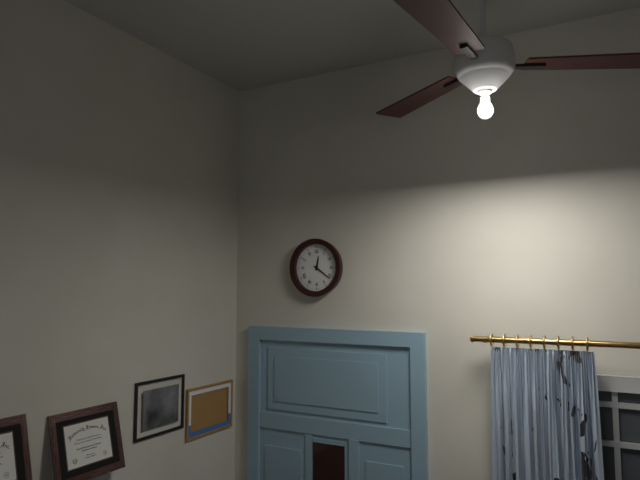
12:21
